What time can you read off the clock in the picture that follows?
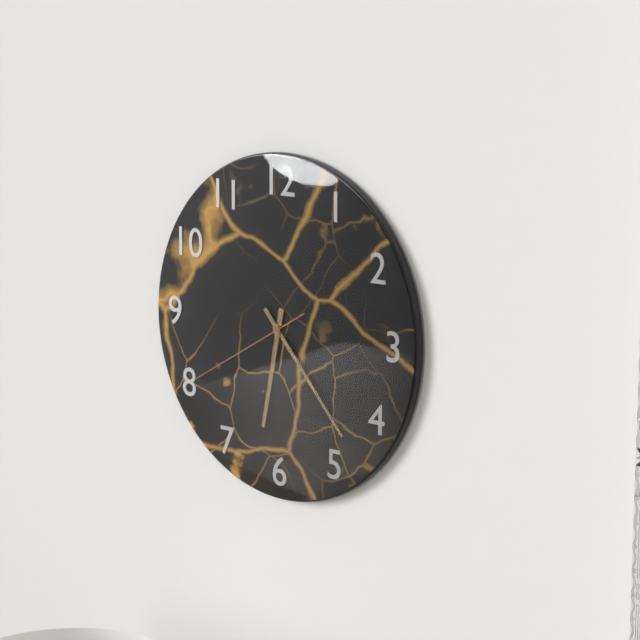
6:23:40
